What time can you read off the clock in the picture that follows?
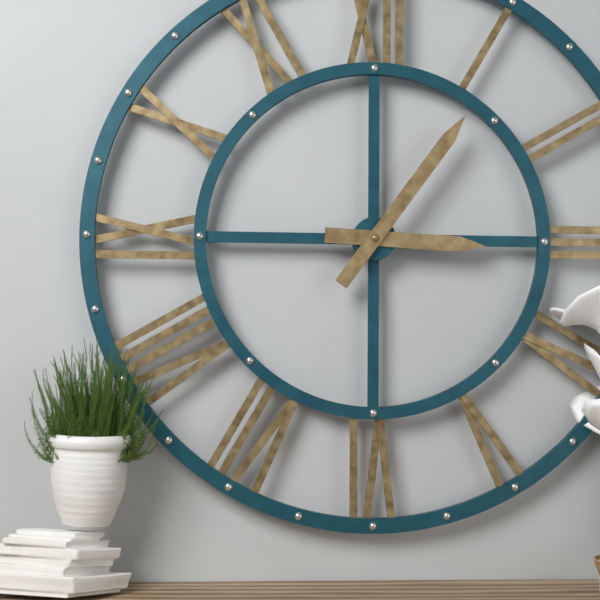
3:06
